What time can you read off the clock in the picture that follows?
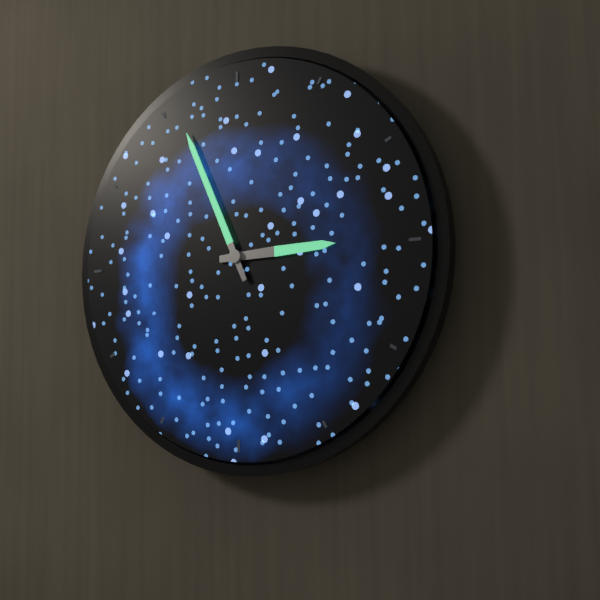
2:56
